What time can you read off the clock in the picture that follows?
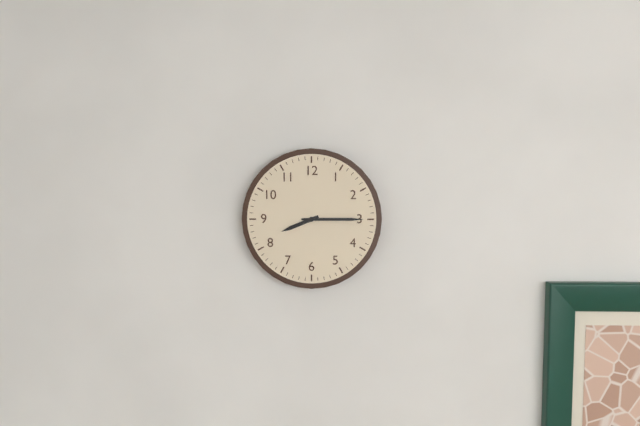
8:15
